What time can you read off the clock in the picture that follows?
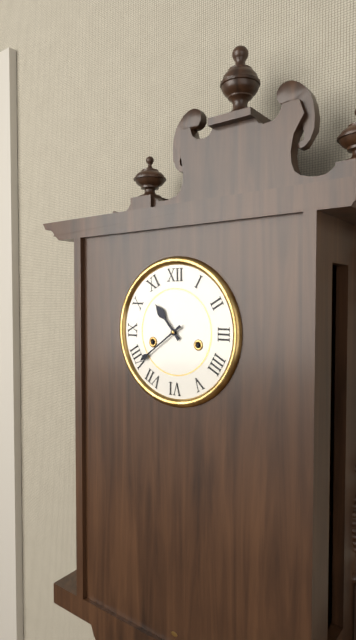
10:39
